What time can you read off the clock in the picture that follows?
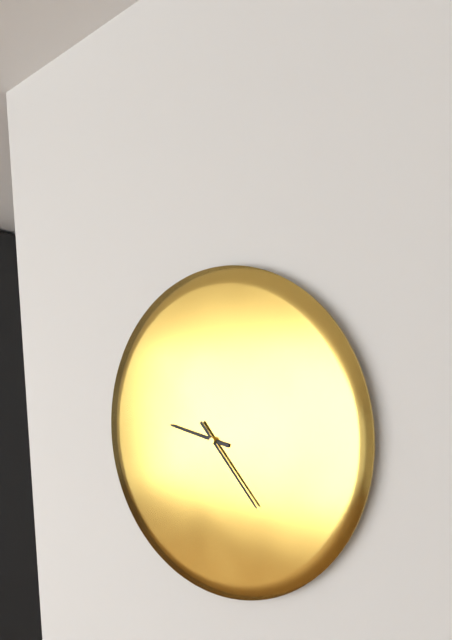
9:23
